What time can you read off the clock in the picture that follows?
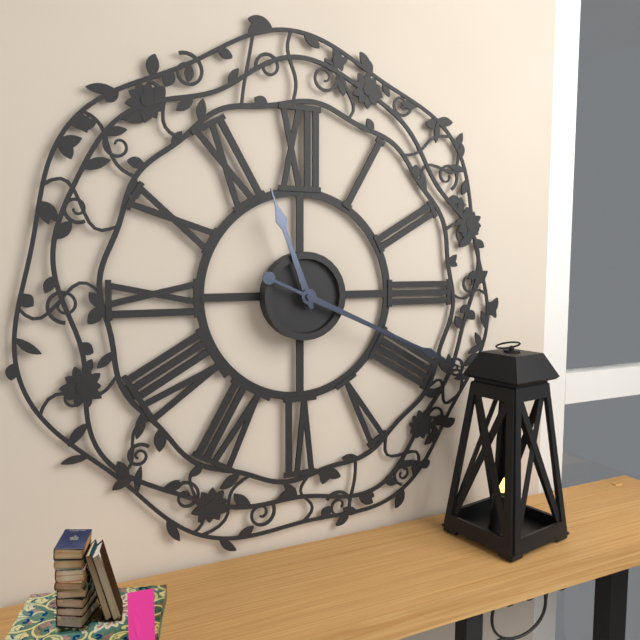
11:19
